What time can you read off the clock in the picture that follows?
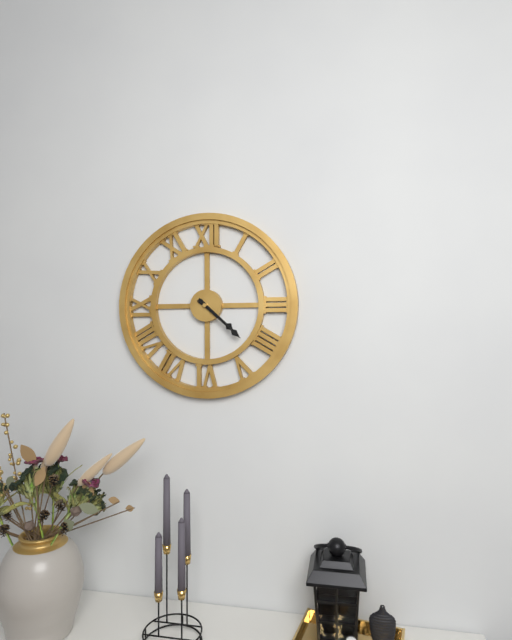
4:22
